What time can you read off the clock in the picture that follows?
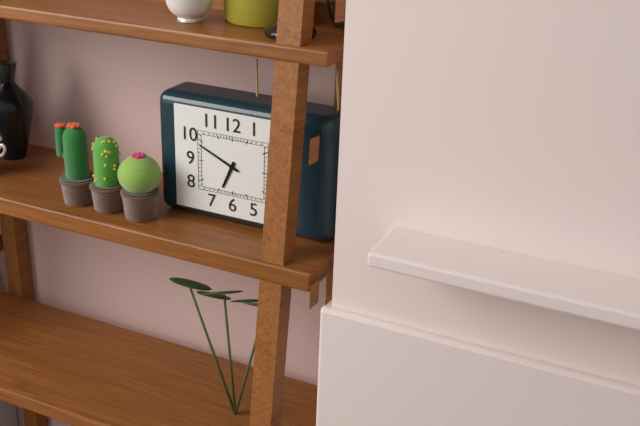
6:49
